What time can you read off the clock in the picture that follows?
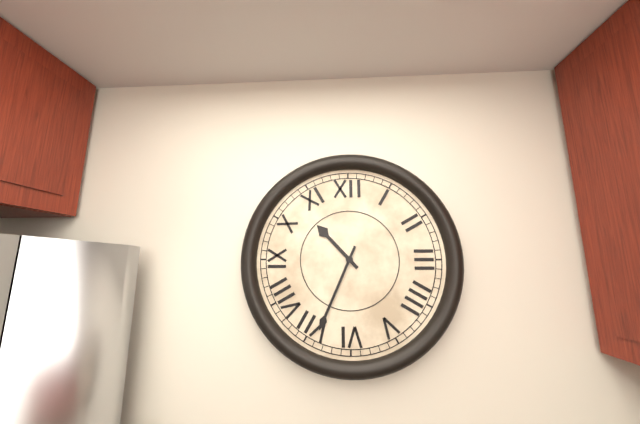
10:34
